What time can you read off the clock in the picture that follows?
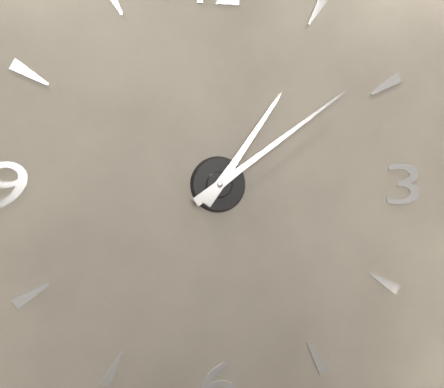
1:09
